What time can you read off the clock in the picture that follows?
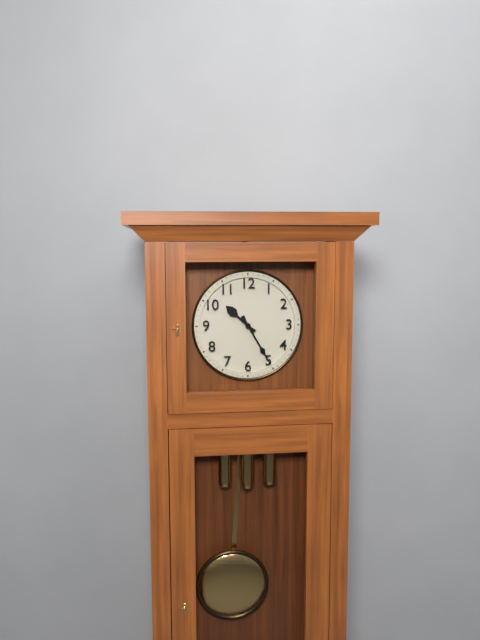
10:25
